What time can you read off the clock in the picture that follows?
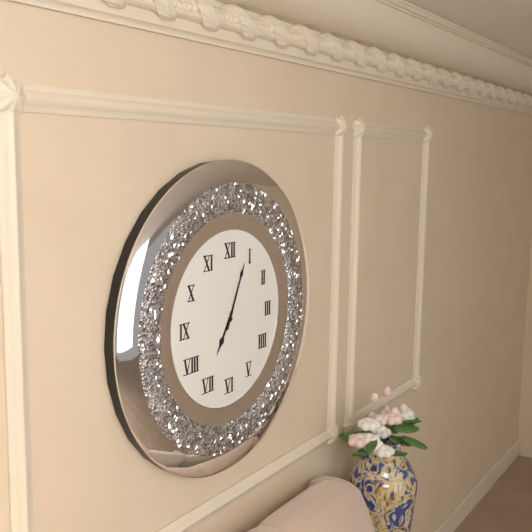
7:04
